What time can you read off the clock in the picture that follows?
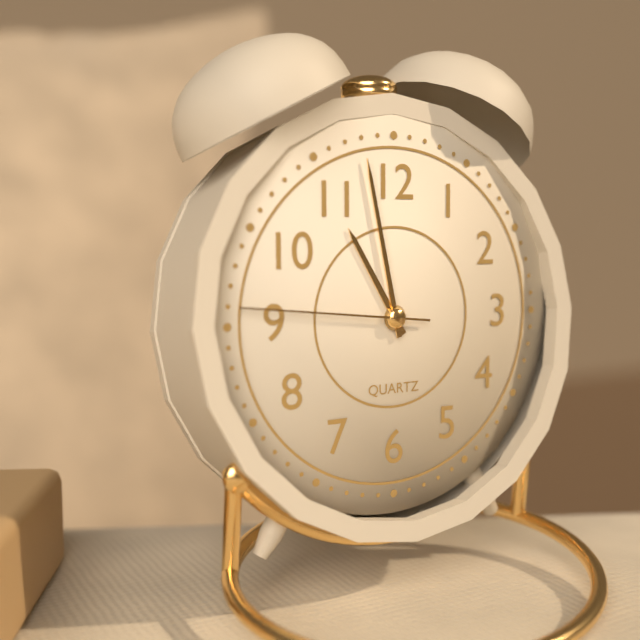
10:58:46
